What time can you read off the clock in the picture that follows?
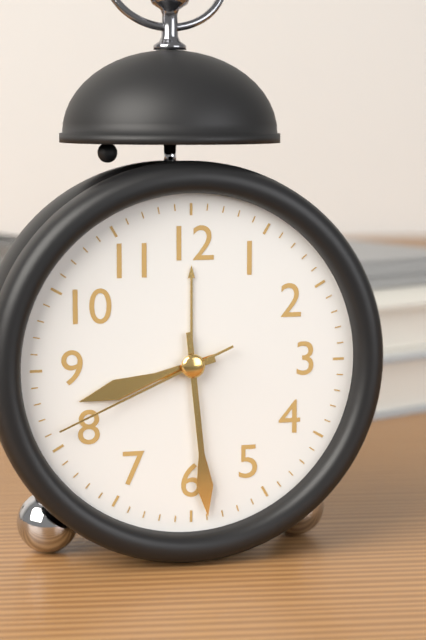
8:29:41
